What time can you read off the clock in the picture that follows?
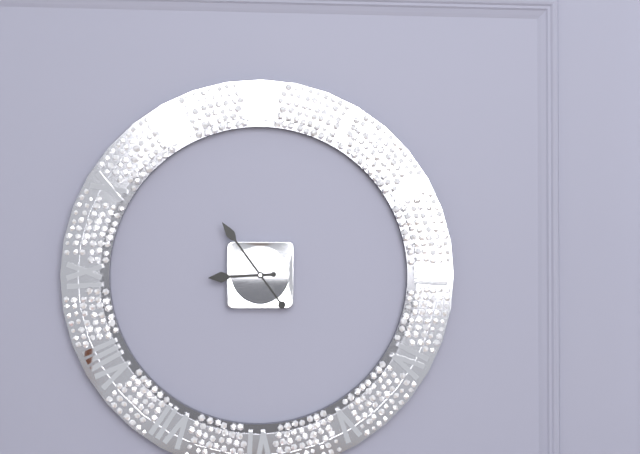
8:54
